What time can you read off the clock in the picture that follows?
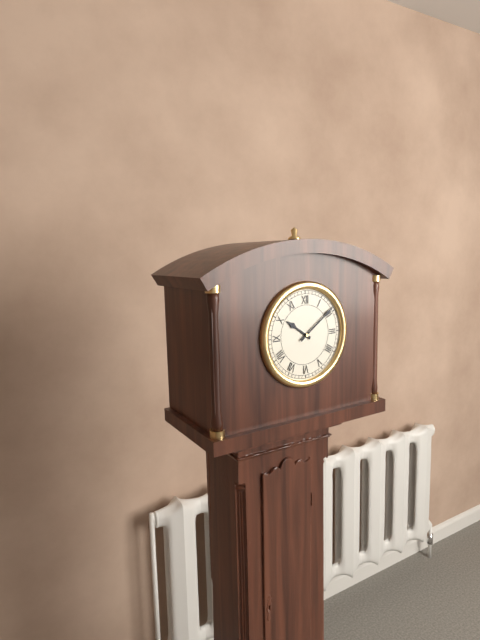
10:09
